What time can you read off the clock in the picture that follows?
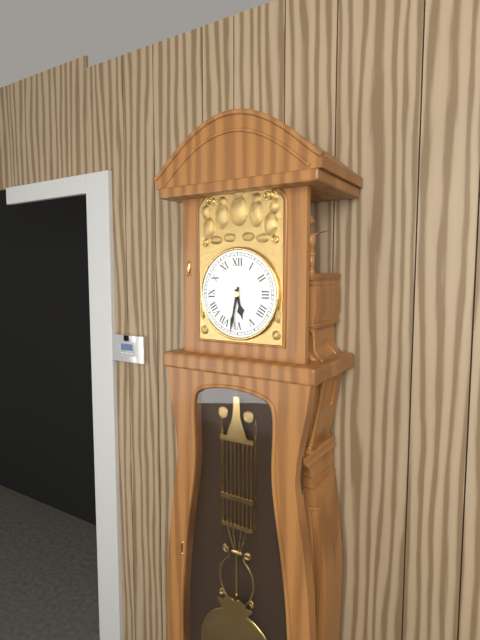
5:32
